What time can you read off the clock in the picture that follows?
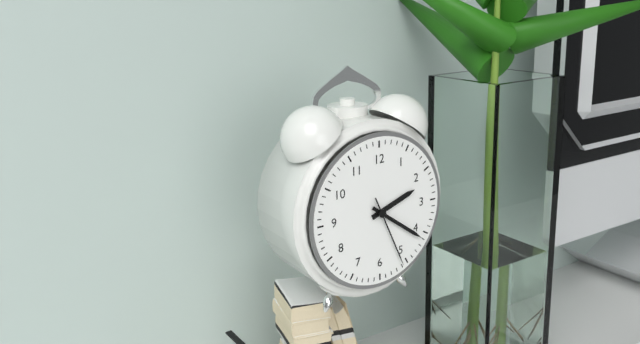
2:21:26
